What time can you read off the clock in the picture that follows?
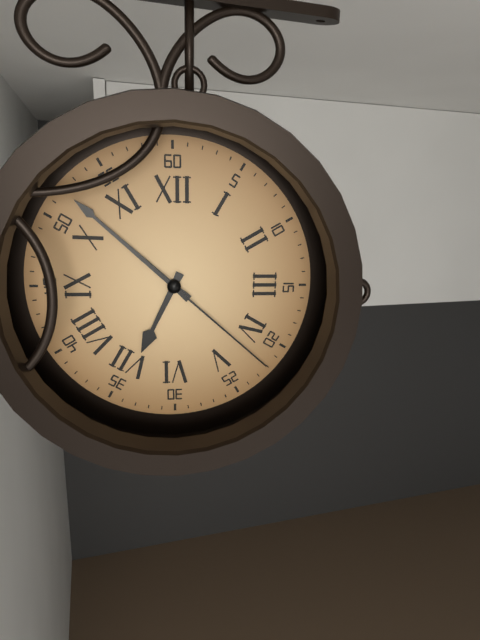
6:52:22
